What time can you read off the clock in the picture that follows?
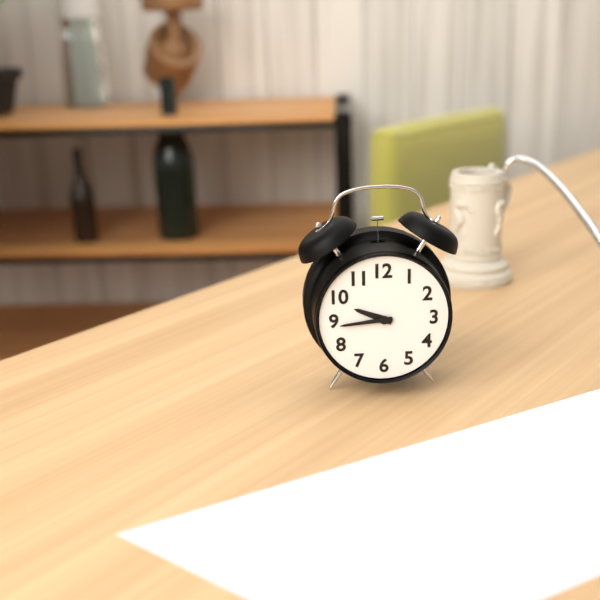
9:44
